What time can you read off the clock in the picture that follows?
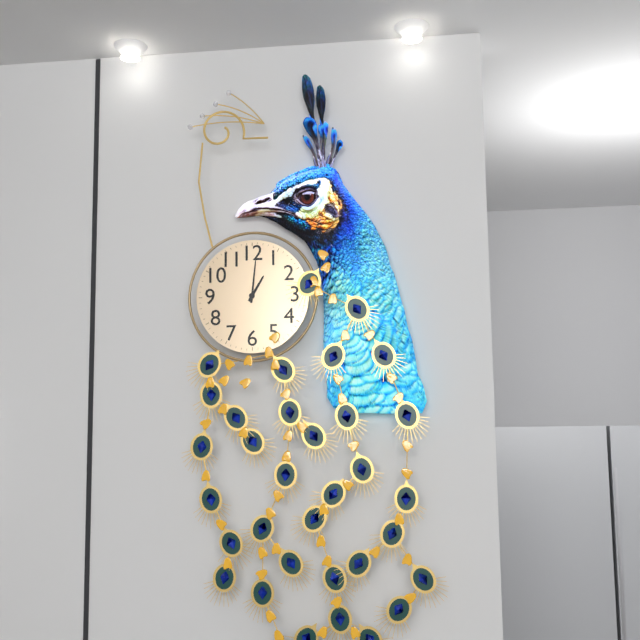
1:01
